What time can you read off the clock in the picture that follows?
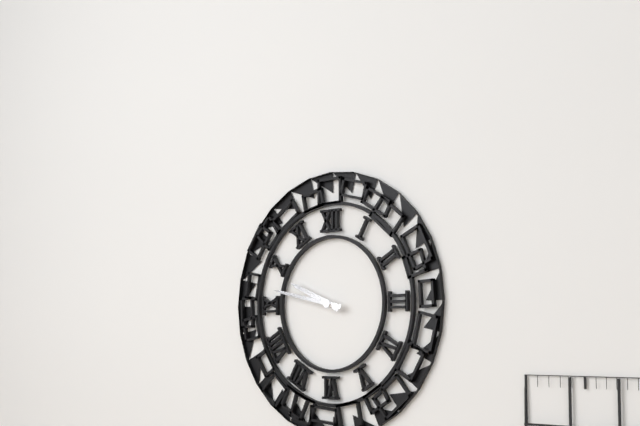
9:47
